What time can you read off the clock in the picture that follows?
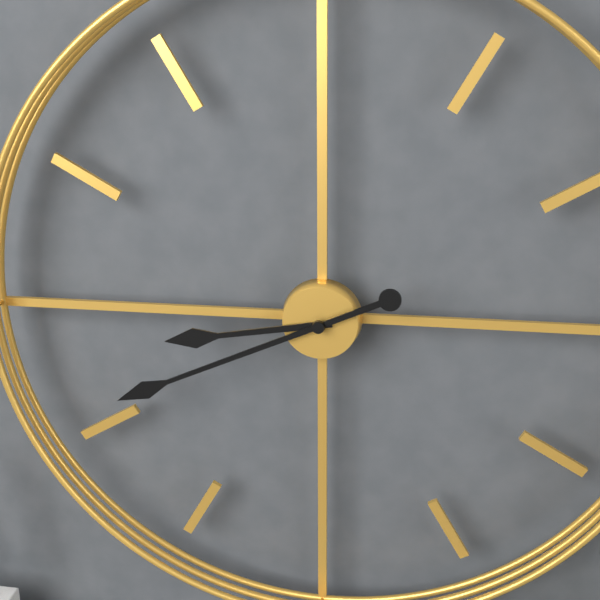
8:41
